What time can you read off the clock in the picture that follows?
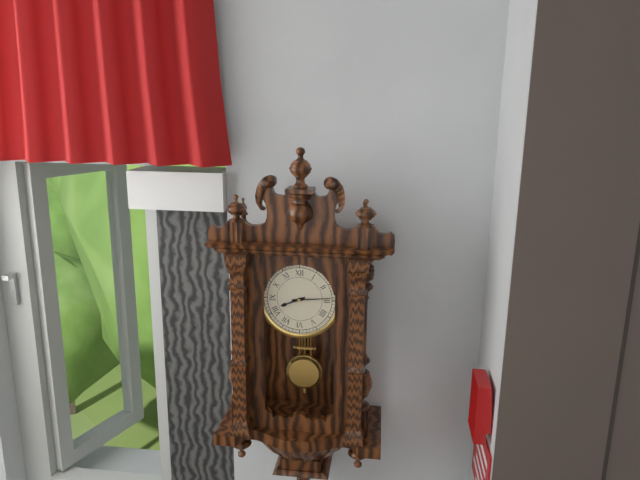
8:14
